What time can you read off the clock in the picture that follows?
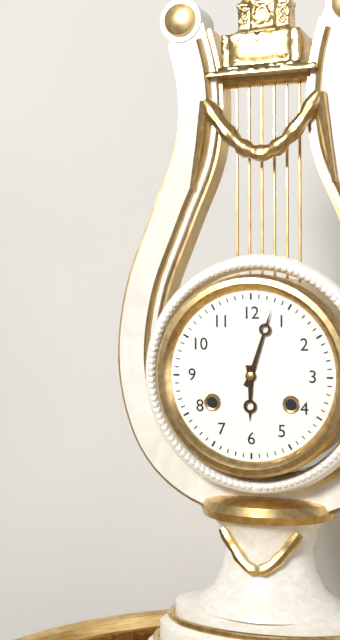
6:03
